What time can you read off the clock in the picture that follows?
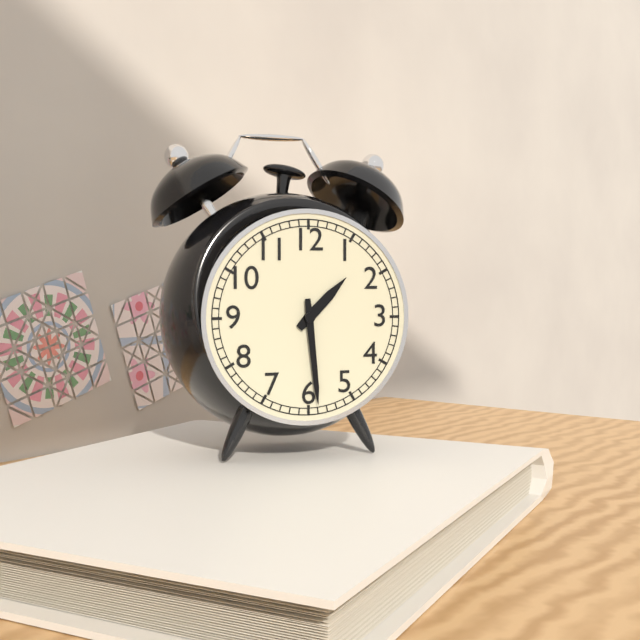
1:29
